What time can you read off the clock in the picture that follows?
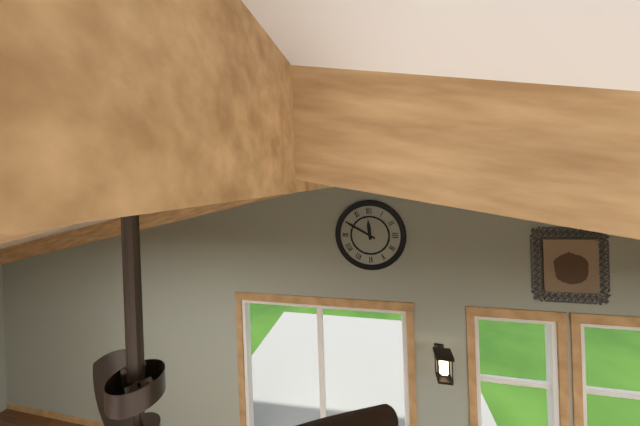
11:50
